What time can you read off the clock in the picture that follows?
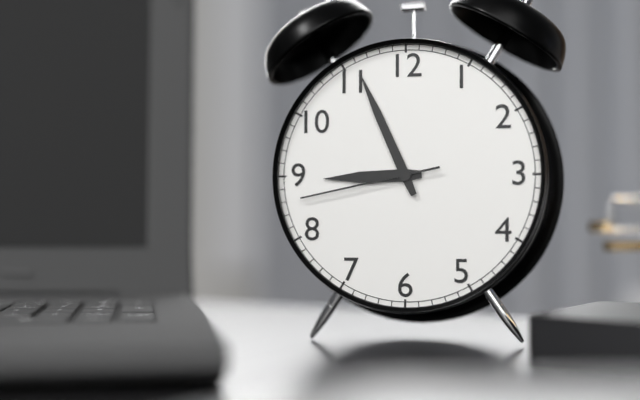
8:56:43
